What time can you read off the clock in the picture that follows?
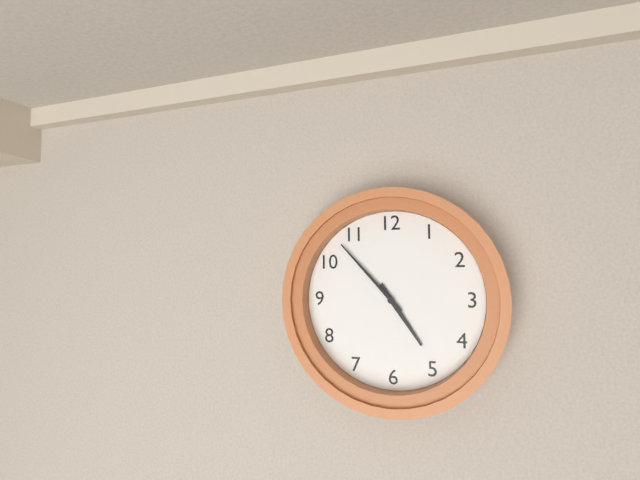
4:53
